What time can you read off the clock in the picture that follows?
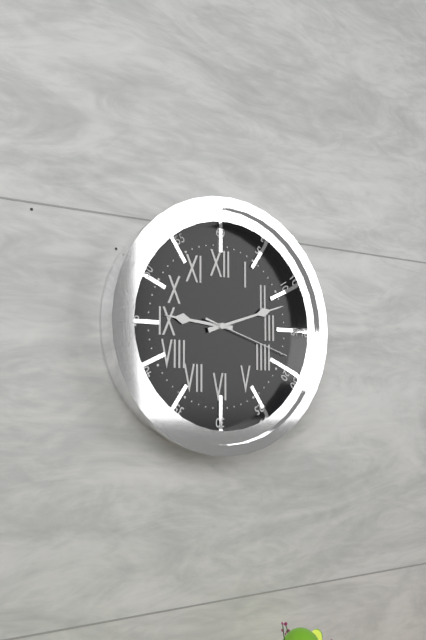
9:12:18
